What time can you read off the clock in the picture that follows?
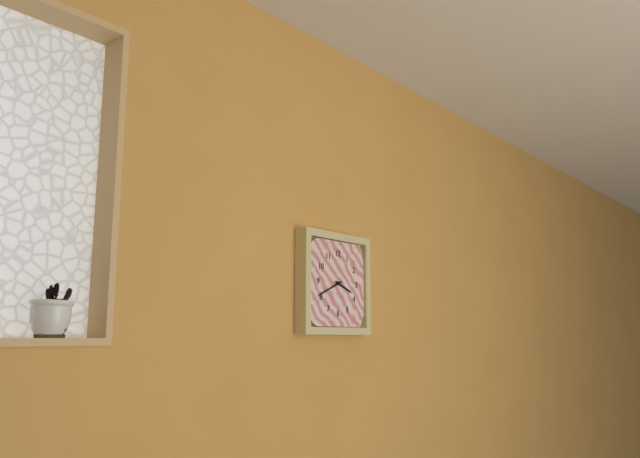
3:41
